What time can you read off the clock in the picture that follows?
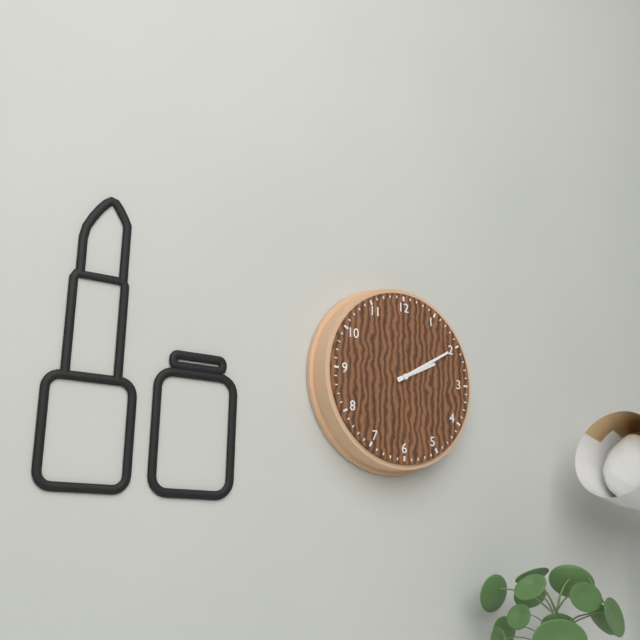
2:10
